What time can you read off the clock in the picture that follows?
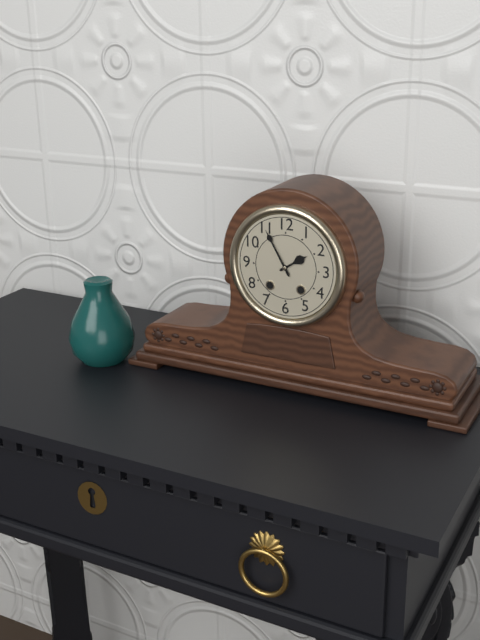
1:55
